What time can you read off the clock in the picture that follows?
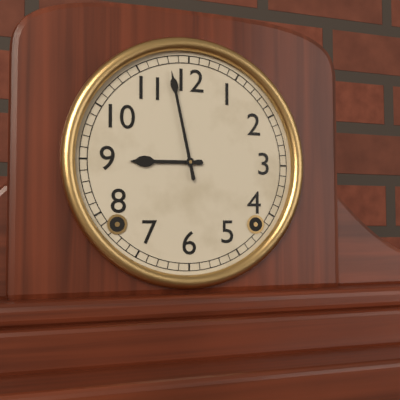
8:58
